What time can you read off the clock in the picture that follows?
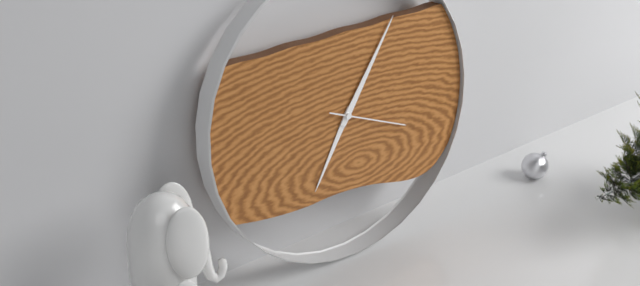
7:06:19
